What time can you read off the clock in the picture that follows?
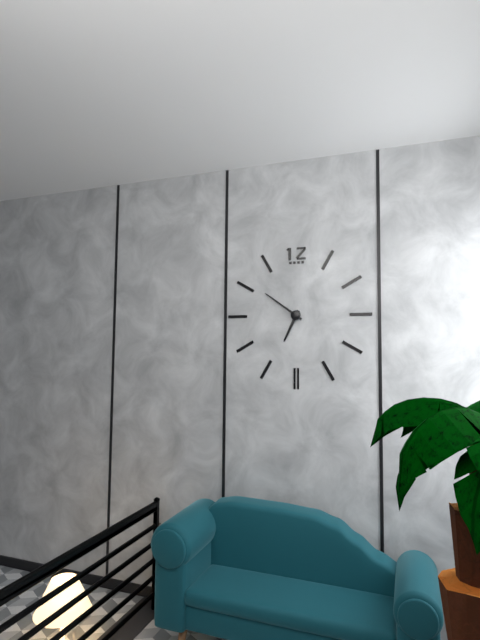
6:51
